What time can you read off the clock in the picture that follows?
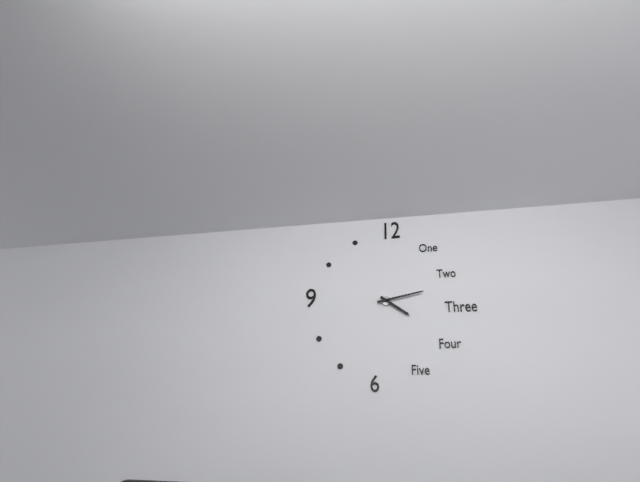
4:13
